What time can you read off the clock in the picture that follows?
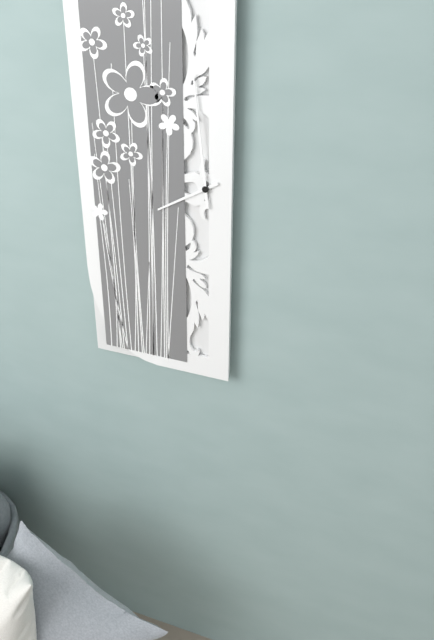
7:59
